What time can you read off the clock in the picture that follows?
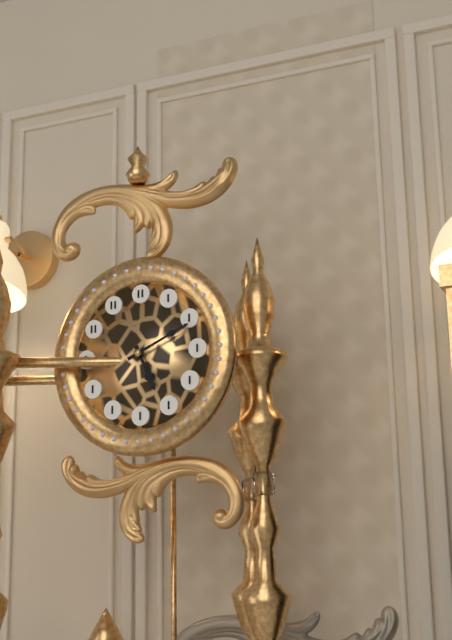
5:11
